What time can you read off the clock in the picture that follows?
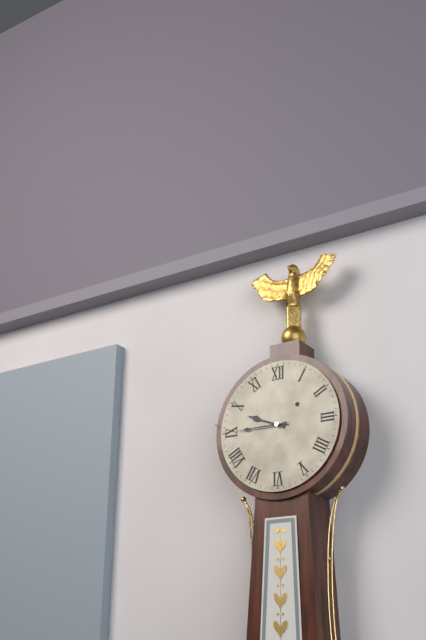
9:45
